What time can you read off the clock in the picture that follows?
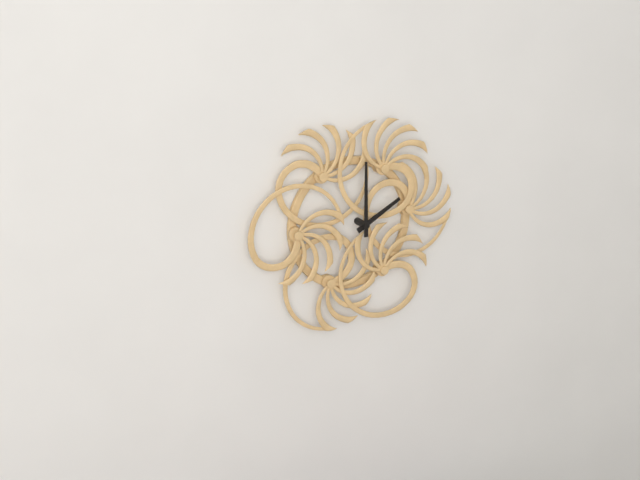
2:00
